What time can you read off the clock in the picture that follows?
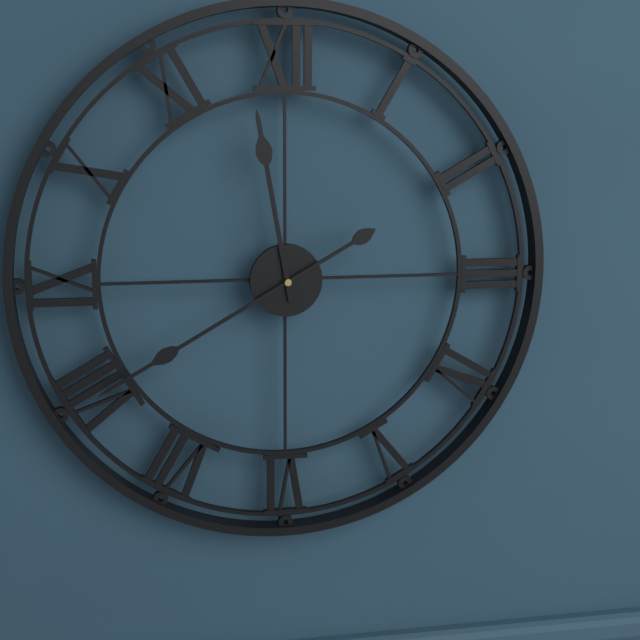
11:40
